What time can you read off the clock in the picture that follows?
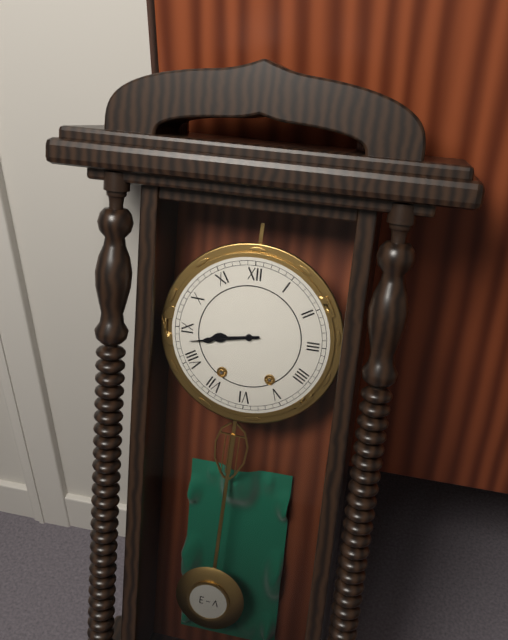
8:43
